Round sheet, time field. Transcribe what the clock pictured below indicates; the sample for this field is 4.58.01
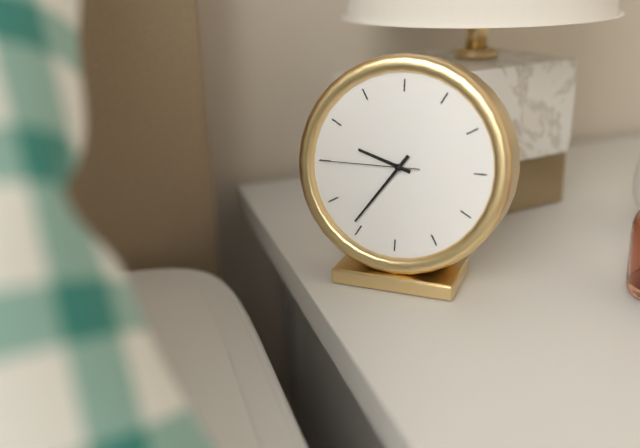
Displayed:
9.36.45
